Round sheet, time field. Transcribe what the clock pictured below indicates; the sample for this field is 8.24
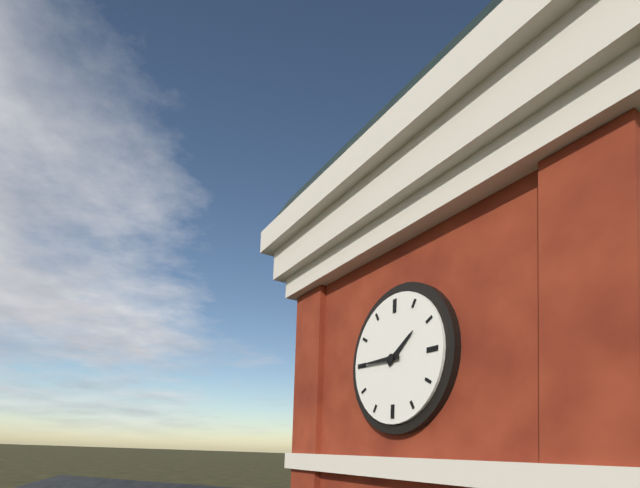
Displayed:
1.45
